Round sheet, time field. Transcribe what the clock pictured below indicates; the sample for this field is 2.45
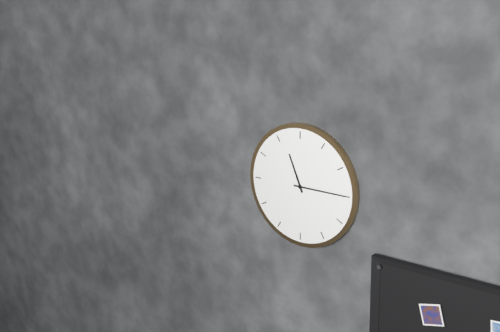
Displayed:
11.15
